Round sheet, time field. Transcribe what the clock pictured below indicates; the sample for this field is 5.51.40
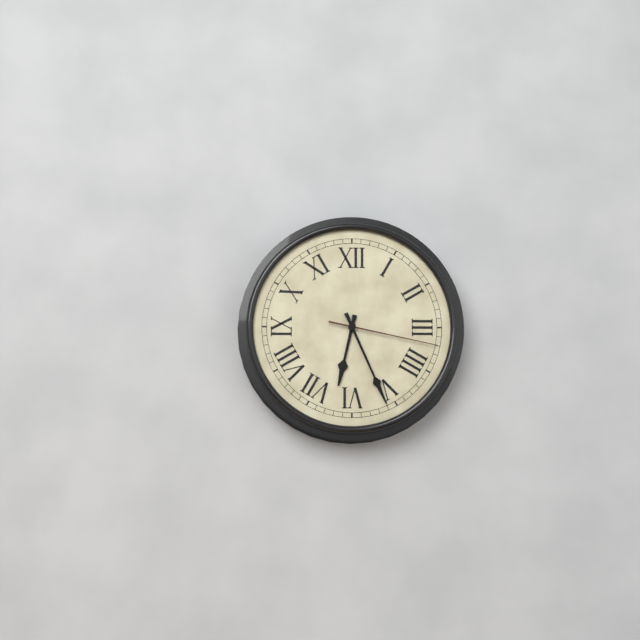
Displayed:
6.26.17
